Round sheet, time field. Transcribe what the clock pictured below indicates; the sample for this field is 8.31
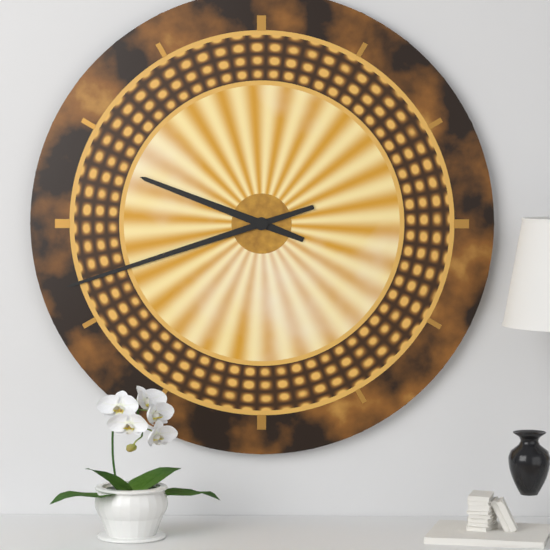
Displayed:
9.42
